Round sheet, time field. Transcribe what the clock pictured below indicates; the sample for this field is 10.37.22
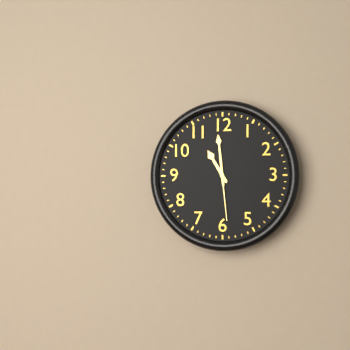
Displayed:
10.59.29
